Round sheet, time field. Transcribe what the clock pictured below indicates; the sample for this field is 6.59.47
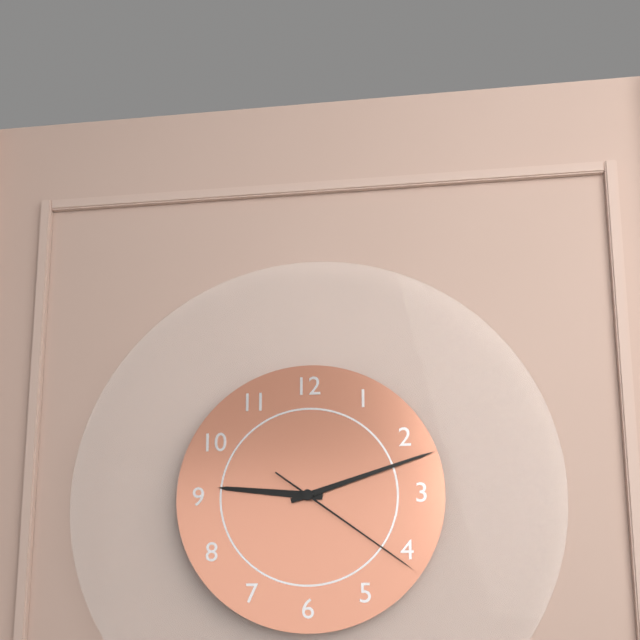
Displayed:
9.12.21
